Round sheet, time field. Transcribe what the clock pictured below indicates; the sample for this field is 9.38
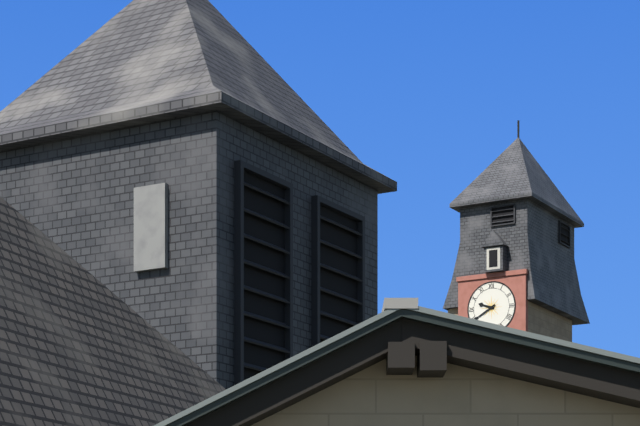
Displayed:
9.40
